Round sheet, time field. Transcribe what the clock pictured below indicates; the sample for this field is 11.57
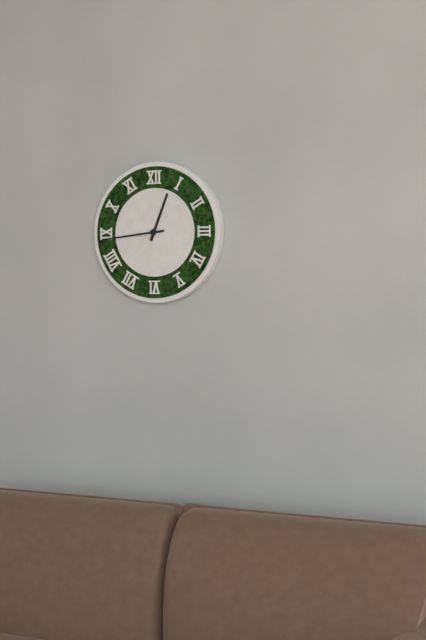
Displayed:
12.44
